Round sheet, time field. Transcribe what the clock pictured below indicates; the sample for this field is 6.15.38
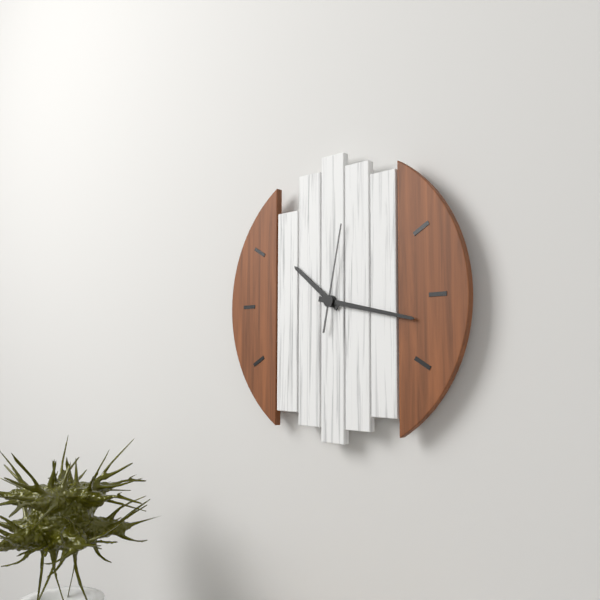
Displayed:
10.17.02
